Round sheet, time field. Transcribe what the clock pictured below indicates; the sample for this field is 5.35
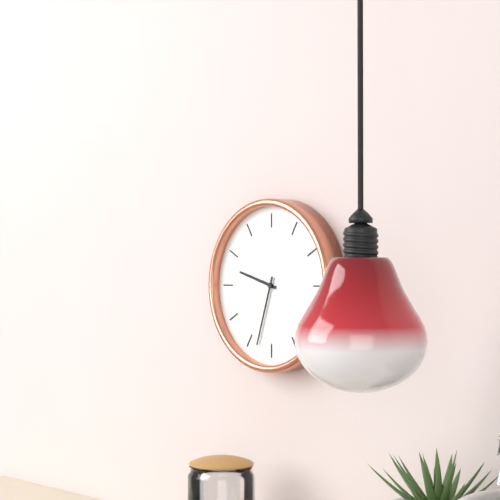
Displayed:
9.33
